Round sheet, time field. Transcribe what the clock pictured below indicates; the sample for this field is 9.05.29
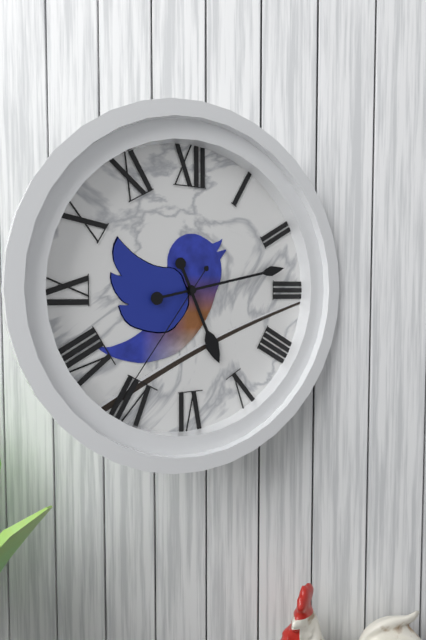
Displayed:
5.13.36
